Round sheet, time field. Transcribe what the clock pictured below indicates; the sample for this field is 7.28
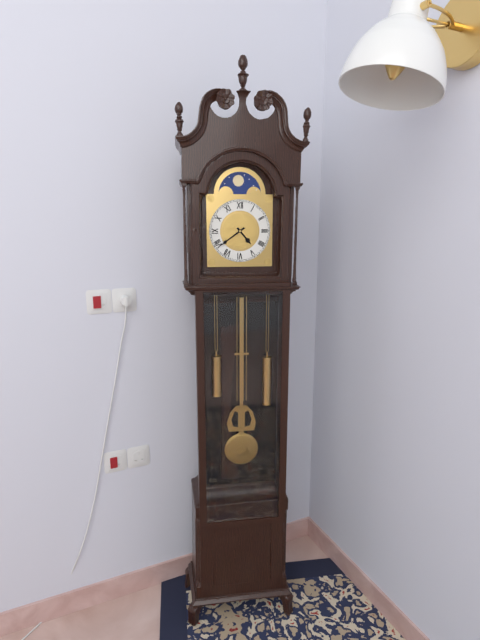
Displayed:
4.39
